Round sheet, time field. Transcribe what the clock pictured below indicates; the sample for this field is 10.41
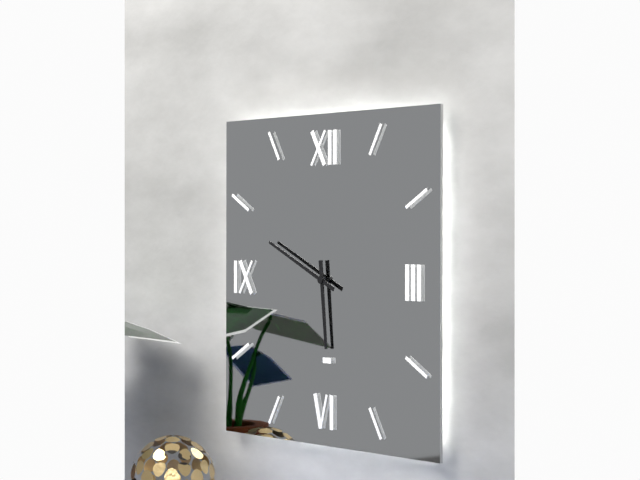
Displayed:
5.49
